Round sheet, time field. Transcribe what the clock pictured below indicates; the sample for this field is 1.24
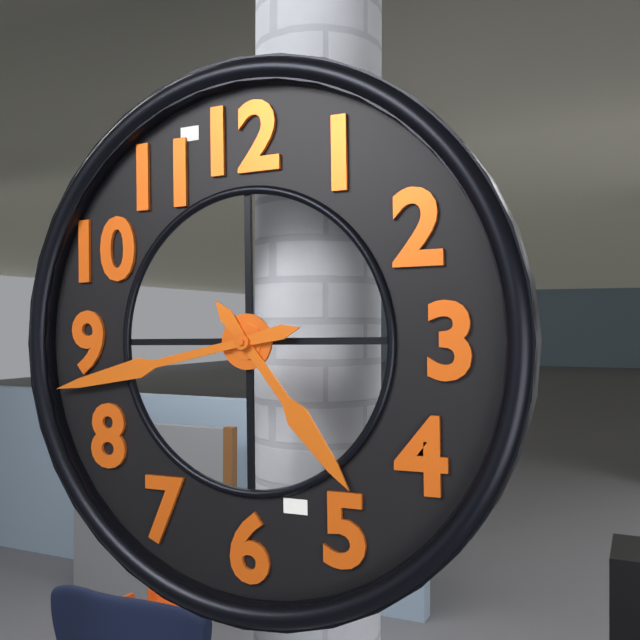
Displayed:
4.43
